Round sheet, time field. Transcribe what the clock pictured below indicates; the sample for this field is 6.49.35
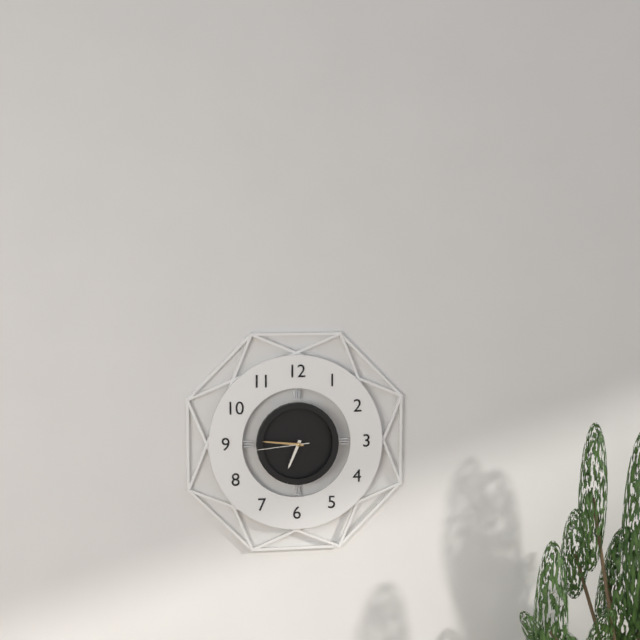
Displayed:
6.46.44
